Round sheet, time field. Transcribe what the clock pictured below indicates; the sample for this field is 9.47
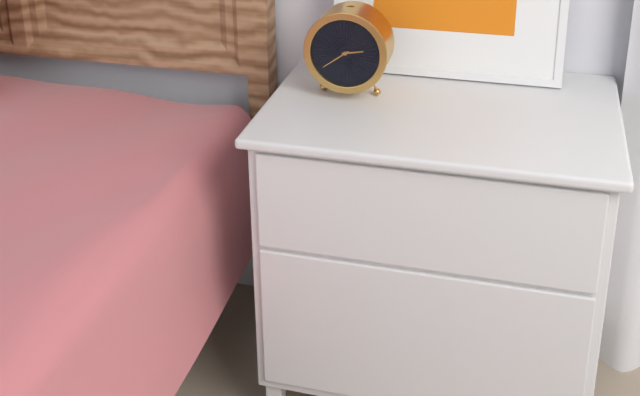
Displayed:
2.39
